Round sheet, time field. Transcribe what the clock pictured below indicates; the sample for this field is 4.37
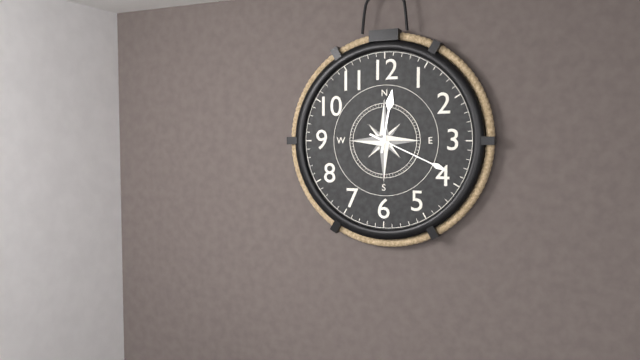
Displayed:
12.19
